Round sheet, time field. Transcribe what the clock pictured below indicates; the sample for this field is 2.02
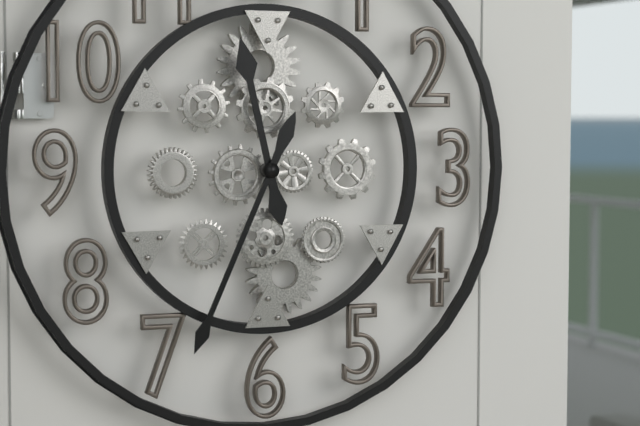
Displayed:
11.34
